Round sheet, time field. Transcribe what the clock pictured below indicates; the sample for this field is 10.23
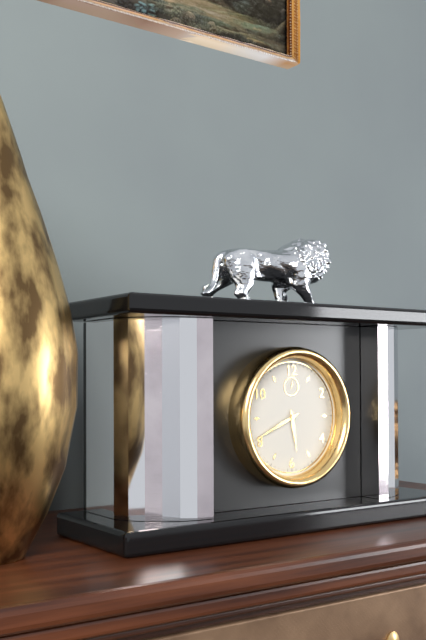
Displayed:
5.41
